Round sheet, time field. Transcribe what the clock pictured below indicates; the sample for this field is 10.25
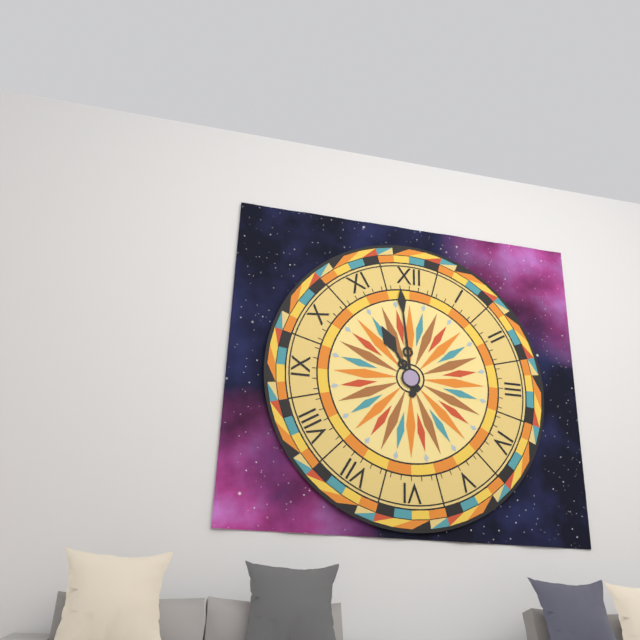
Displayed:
10.59
